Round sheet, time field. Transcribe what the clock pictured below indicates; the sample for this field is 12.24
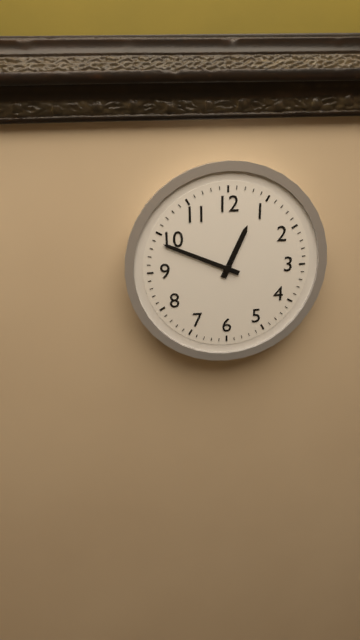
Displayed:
12.49
